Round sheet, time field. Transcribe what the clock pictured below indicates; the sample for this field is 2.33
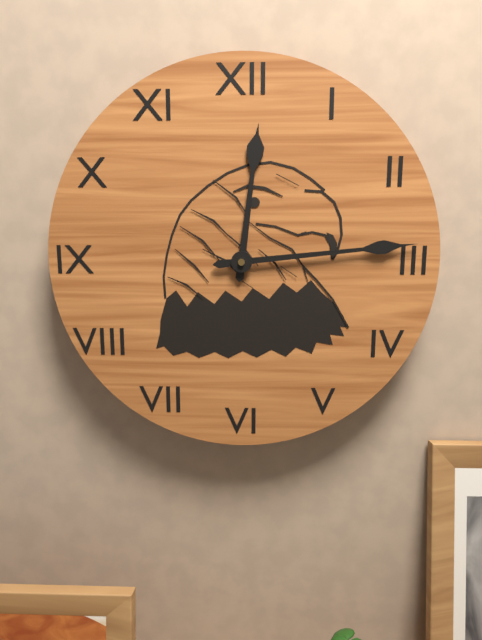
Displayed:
12.14
